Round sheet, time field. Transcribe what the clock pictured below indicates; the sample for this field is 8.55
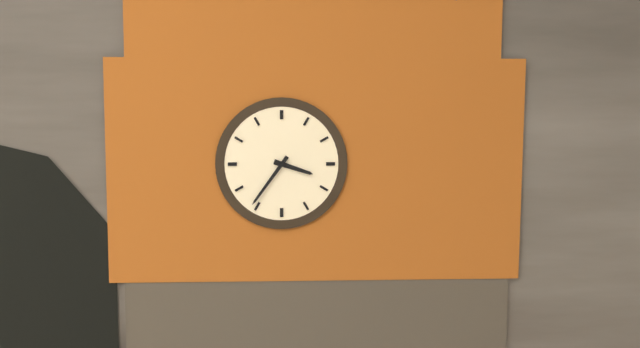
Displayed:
3.36
